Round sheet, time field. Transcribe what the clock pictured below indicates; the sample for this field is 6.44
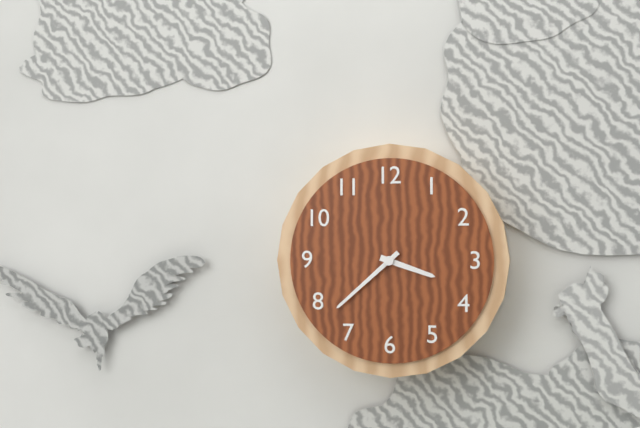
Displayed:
3.38
